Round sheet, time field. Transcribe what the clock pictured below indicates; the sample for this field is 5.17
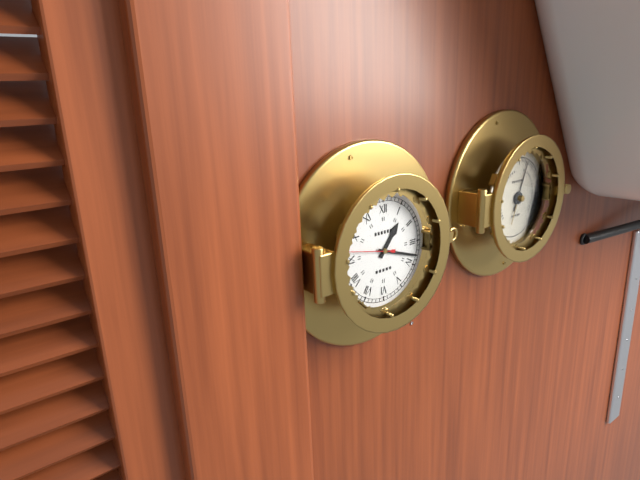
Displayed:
1.18
